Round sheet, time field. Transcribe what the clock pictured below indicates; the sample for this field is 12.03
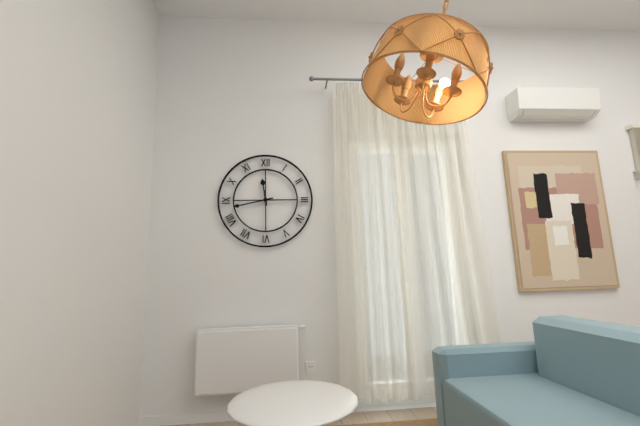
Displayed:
11.43
